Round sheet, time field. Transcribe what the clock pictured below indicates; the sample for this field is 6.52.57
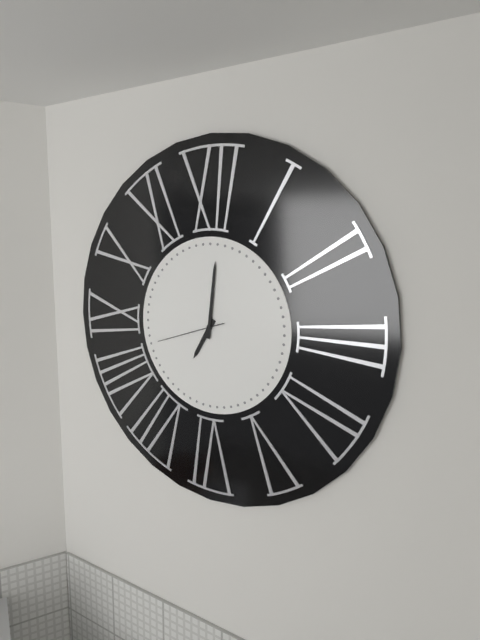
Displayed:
7.01.42
